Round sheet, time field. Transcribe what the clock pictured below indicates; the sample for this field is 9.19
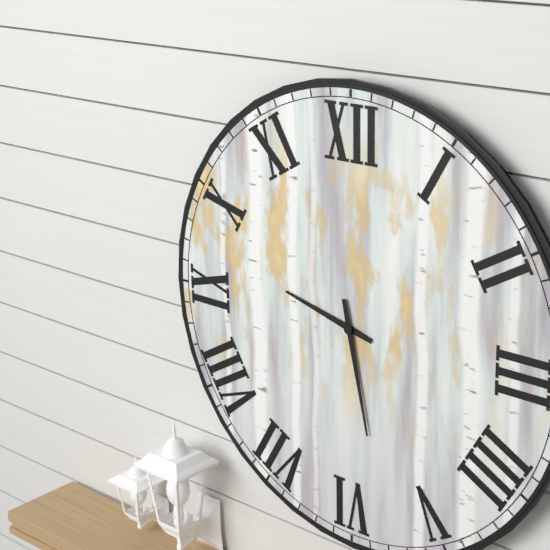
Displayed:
9.28
